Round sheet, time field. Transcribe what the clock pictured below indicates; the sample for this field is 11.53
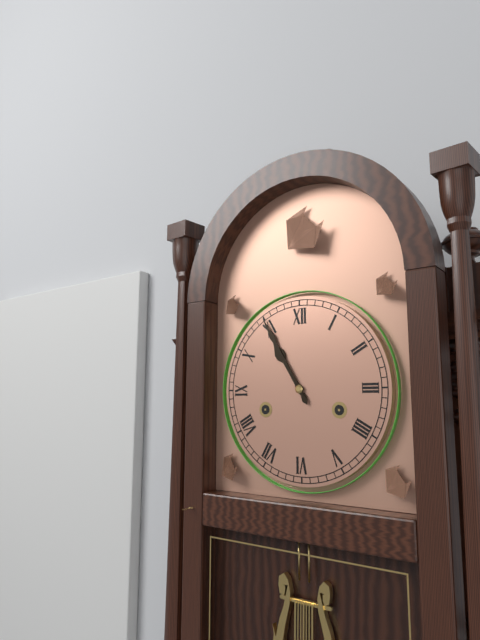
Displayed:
10.55
